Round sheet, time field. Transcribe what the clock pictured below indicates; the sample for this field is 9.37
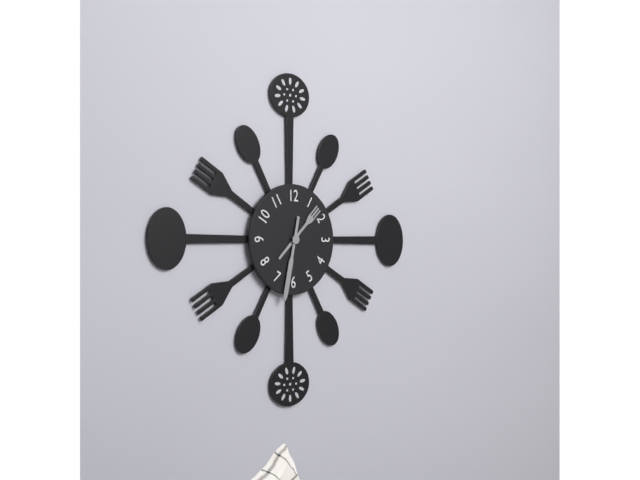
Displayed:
1.32
